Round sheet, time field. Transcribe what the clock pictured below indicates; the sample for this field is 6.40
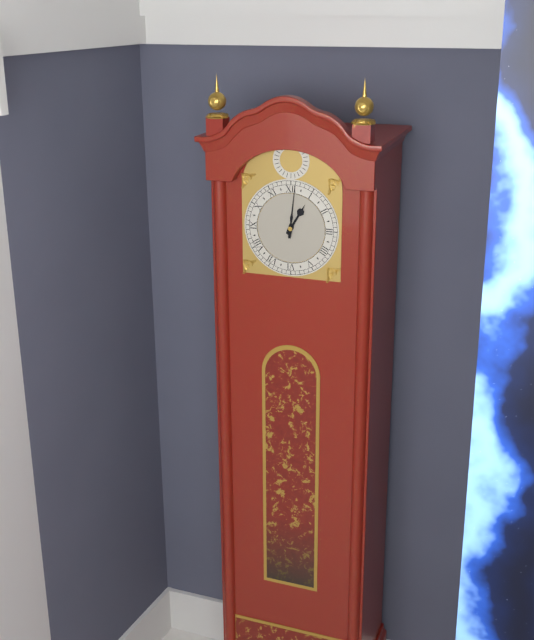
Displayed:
1.01
